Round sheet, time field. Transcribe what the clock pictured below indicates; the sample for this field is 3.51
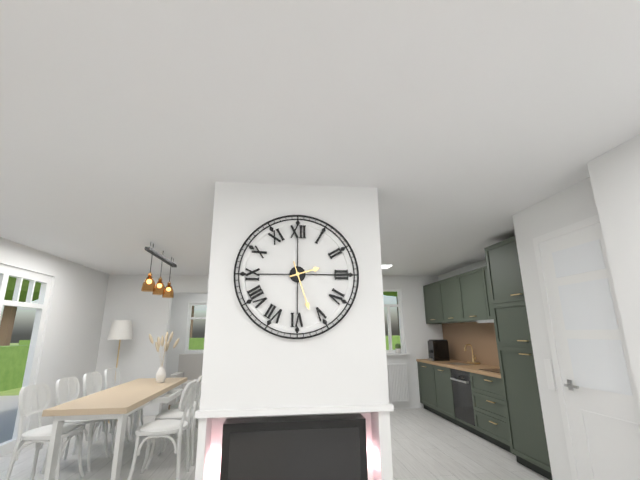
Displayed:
2.27
